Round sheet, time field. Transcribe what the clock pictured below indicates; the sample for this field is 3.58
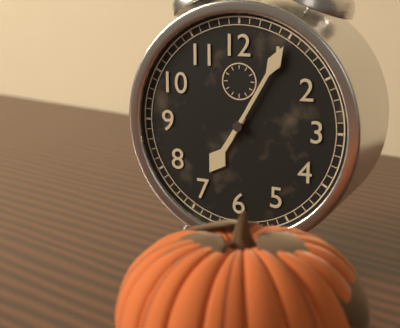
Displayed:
7.05
